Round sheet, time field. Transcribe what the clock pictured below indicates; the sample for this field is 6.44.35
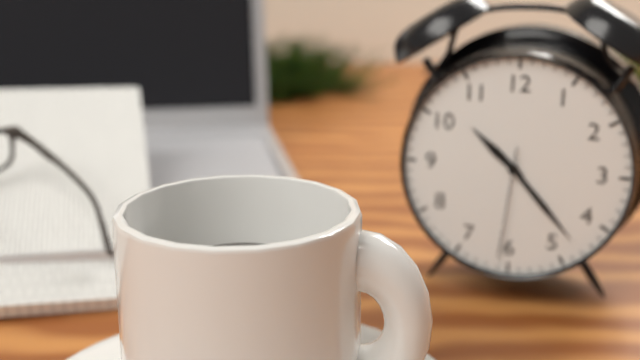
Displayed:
10.23.31
